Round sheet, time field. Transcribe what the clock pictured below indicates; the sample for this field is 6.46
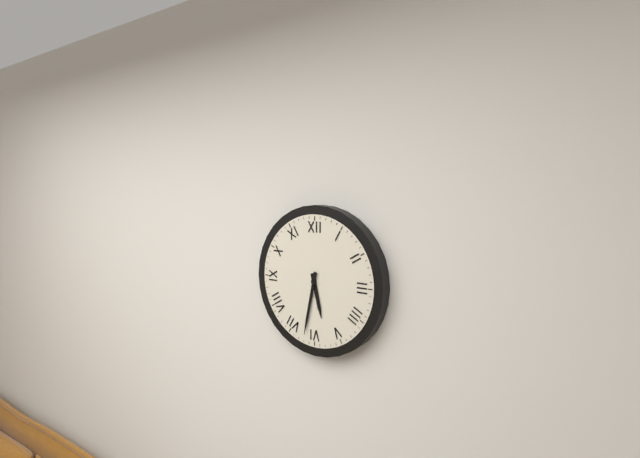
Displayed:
5.32
